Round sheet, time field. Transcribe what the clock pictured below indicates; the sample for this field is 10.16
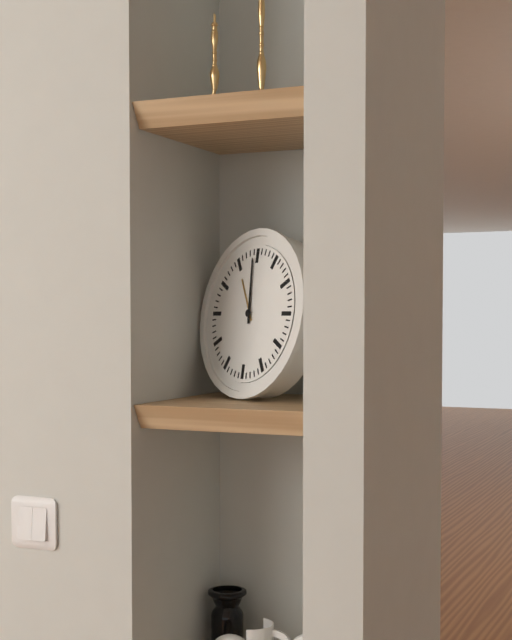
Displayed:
10.59
